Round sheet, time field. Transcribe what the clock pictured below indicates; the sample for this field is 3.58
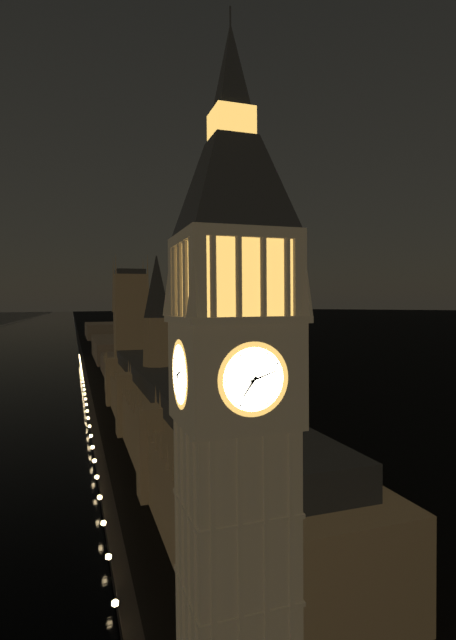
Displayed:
7.12
